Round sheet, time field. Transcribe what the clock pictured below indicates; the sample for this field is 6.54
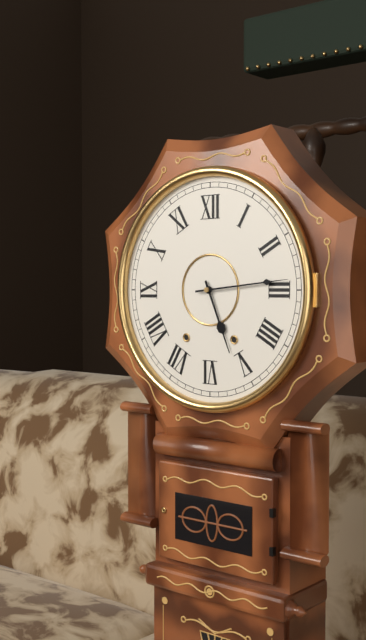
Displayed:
5.14
